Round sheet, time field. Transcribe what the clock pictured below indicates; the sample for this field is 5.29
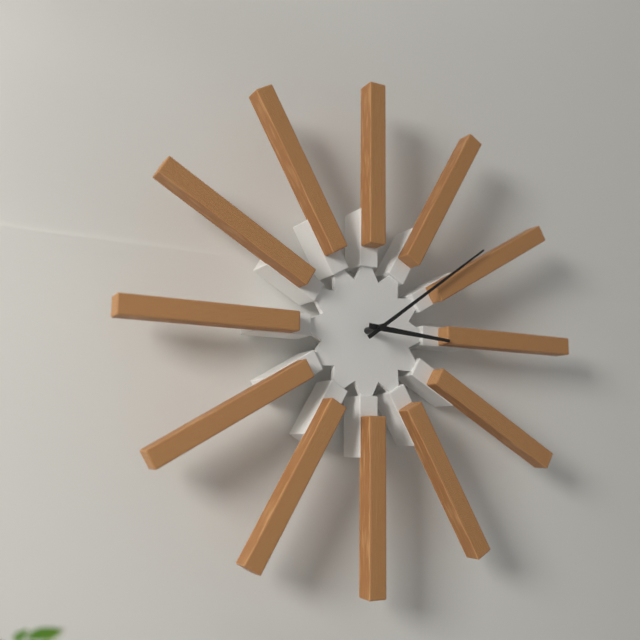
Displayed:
3.09
